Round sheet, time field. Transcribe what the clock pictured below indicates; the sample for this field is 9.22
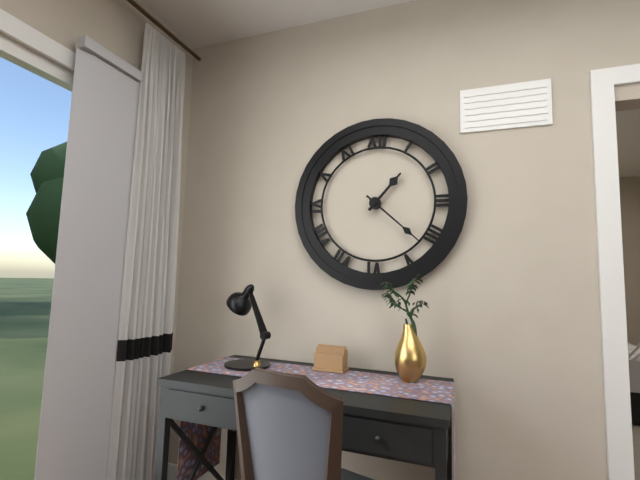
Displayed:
1.22
